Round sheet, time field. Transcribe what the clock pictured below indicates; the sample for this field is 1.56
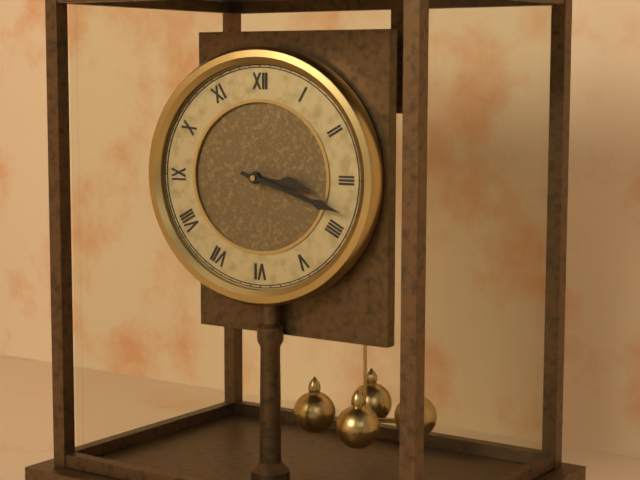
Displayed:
3.18
